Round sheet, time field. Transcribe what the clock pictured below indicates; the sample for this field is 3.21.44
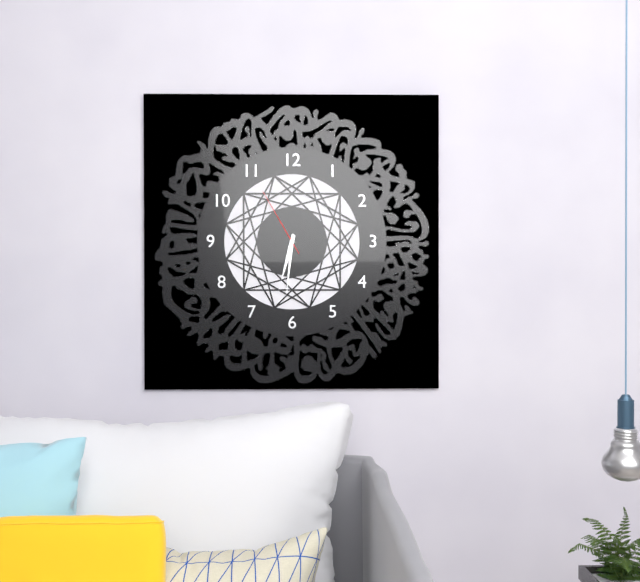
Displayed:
6.31.55
